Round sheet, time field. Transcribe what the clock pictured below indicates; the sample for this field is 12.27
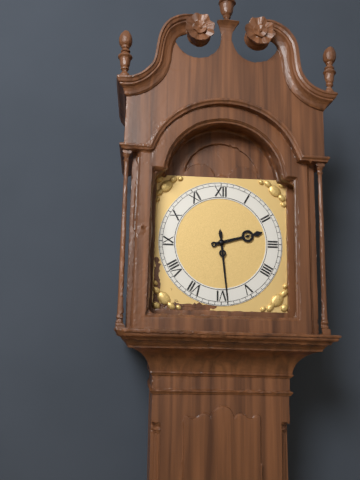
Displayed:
2.29
